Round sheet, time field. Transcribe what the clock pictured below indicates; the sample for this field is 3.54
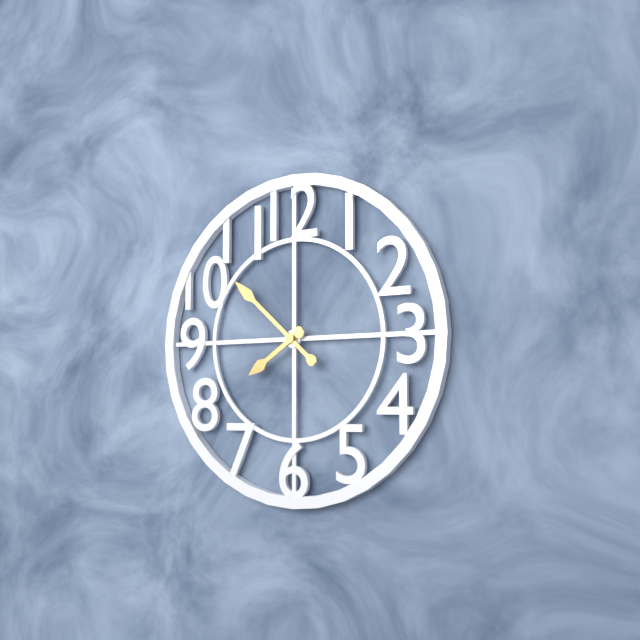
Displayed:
7.52
